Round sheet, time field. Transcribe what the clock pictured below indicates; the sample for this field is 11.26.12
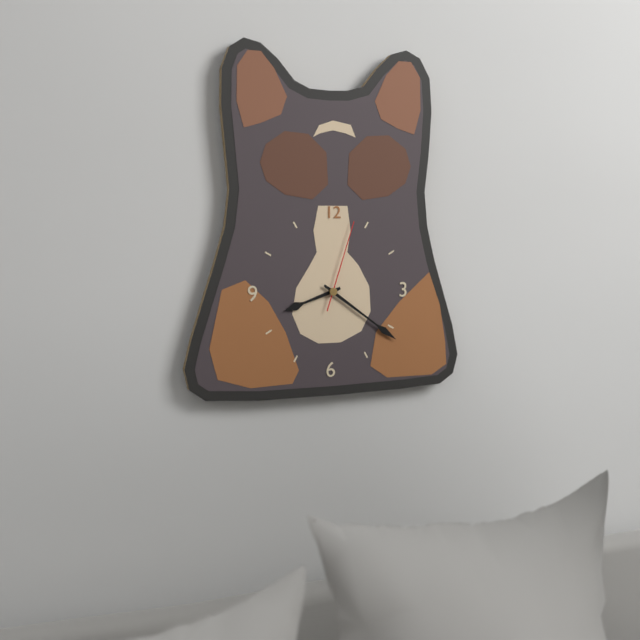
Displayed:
8.21.03
